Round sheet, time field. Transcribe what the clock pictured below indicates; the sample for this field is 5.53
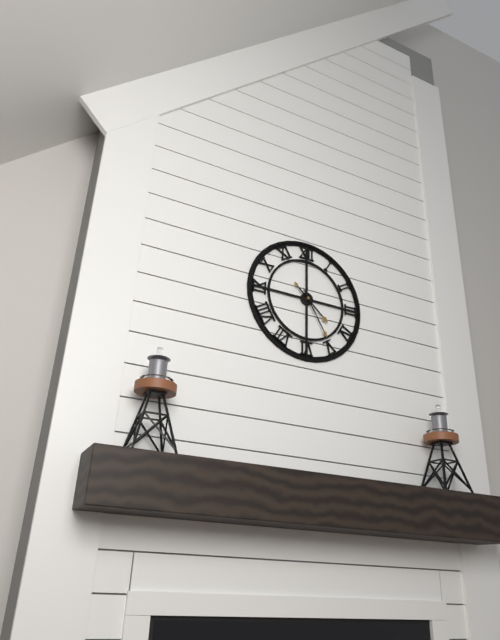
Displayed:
4.25
